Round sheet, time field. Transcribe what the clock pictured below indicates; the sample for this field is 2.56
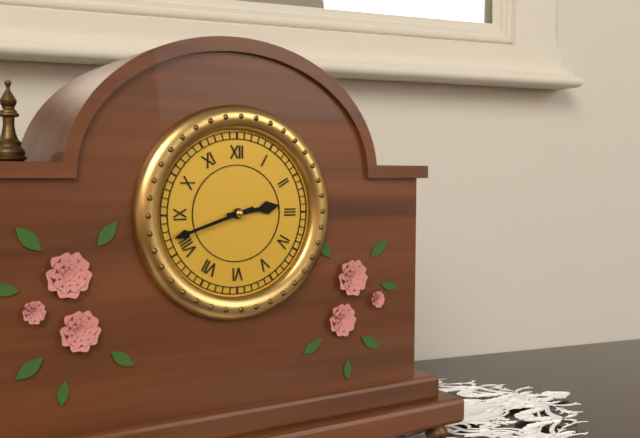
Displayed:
2.42
